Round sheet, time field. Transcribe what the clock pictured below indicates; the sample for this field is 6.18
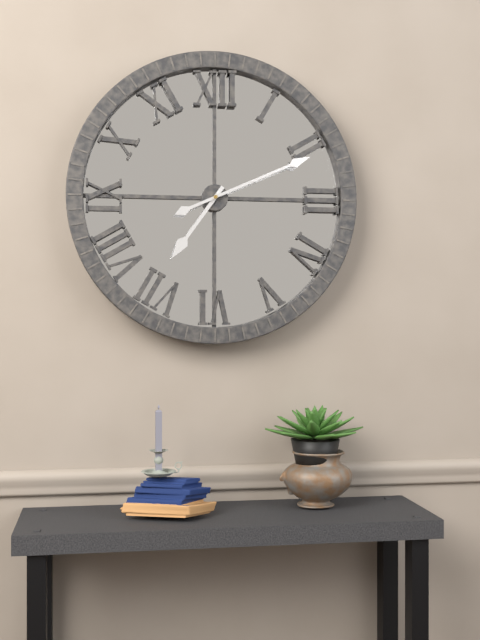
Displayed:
7.11
